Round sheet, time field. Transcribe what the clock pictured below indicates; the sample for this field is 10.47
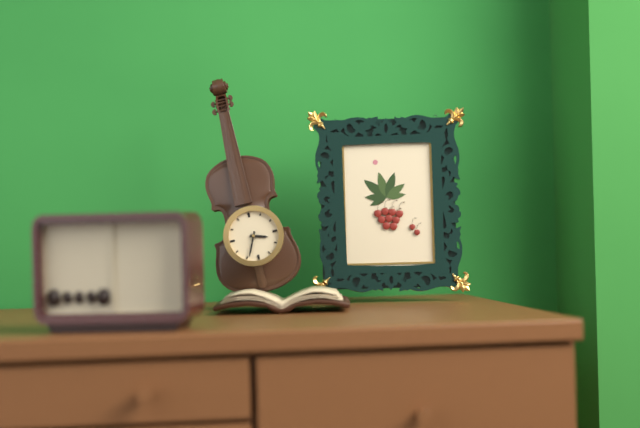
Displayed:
3.34
